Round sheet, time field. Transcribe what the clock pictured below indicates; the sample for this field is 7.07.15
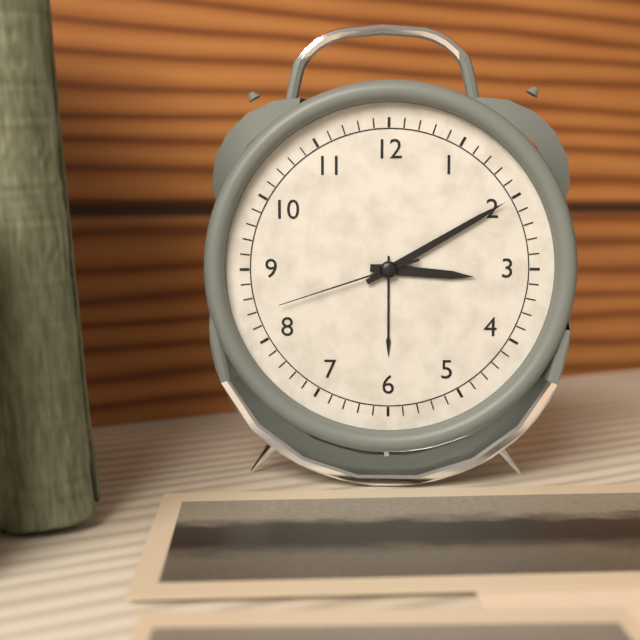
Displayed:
3.10.42
